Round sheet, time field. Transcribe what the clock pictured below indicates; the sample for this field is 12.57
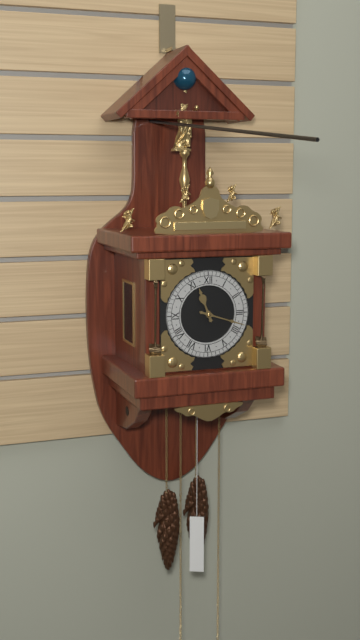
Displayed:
11.18
